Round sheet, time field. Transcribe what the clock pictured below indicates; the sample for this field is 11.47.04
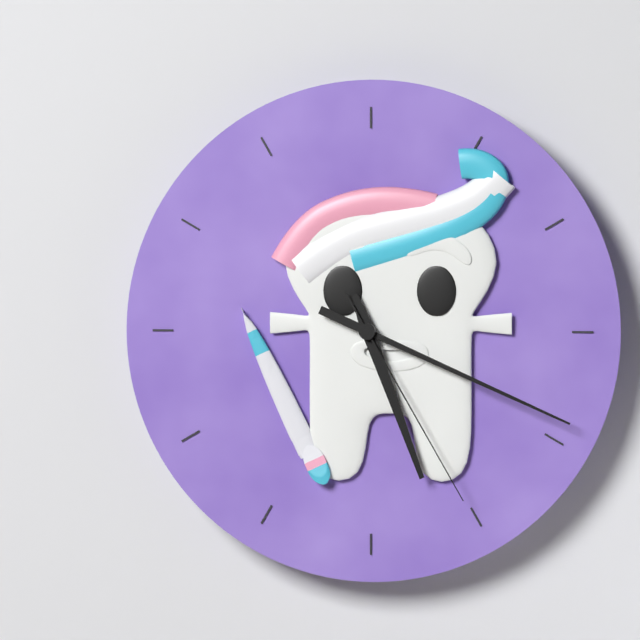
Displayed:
5.19.25
